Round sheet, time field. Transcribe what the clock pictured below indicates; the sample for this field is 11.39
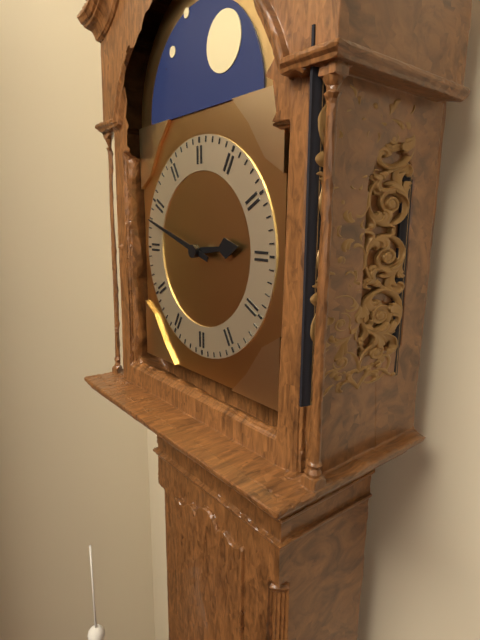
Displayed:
2.48
